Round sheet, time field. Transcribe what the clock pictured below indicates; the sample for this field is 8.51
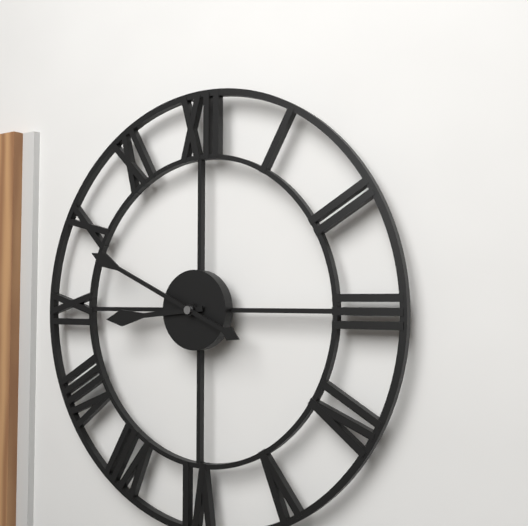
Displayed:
8.49
